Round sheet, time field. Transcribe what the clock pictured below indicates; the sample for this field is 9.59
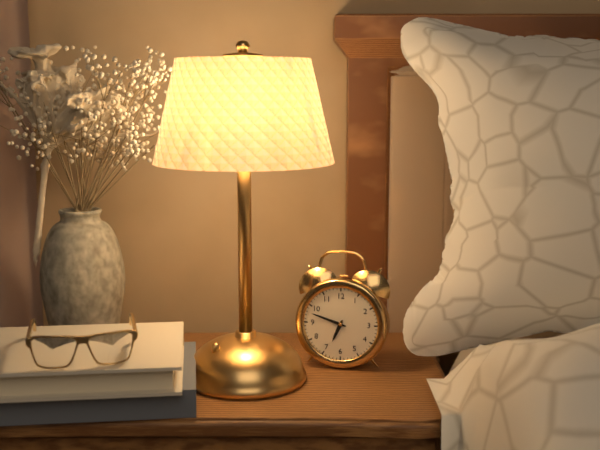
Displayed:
6.48
